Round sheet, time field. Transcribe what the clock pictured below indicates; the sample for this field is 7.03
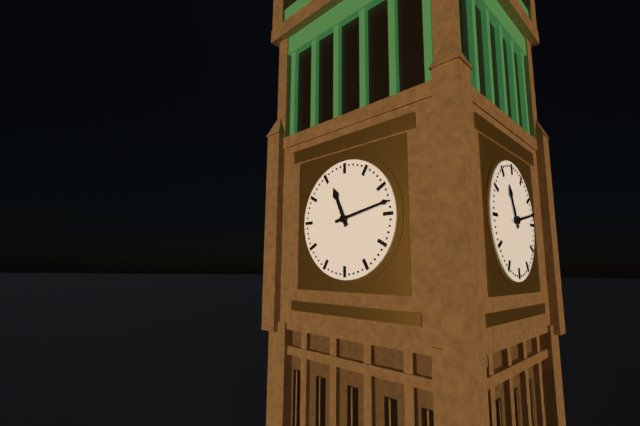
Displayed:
11.13
